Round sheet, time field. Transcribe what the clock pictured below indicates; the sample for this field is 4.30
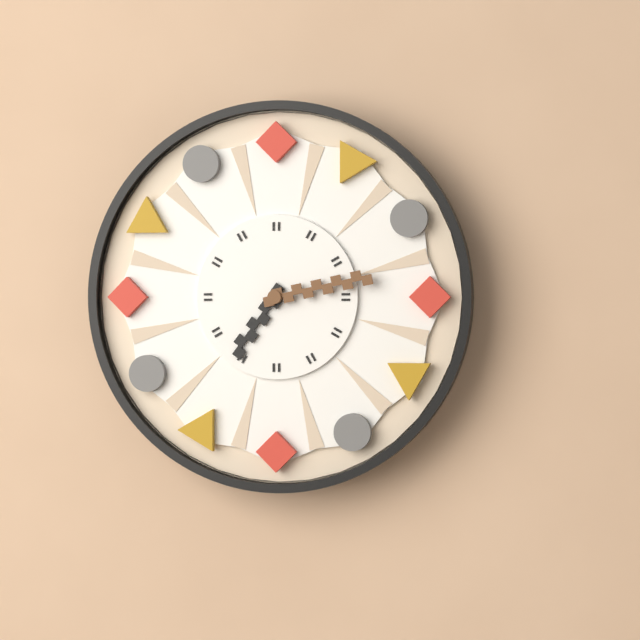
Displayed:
7.13
